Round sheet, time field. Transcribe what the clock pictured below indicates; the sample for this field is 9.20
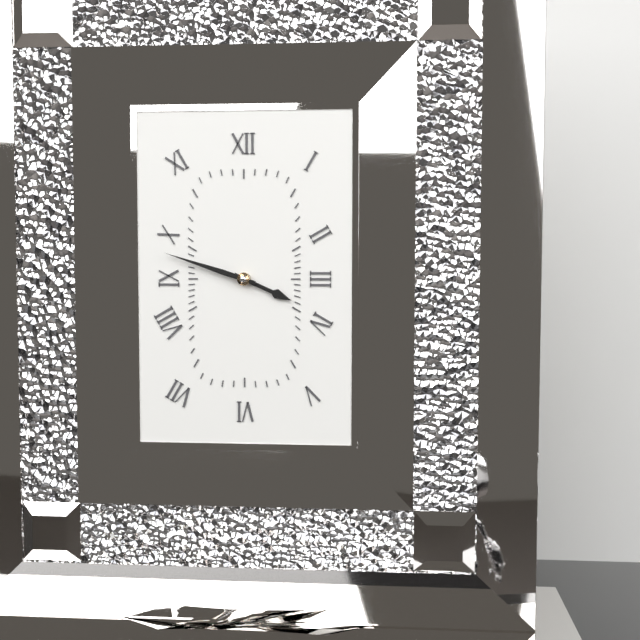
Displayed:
3.48
